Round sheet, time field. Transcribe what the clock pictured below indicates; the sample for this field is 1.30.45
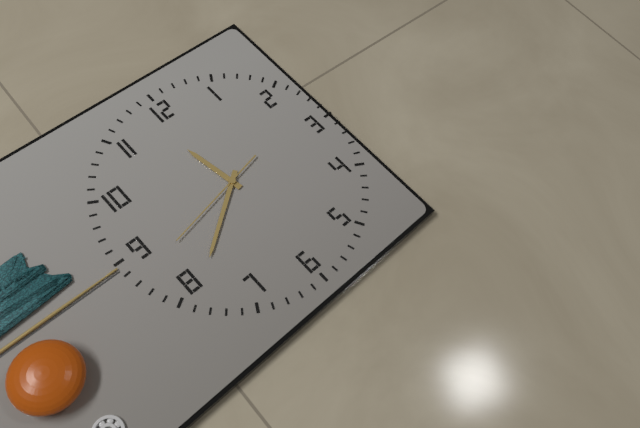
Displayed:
11.39.43
